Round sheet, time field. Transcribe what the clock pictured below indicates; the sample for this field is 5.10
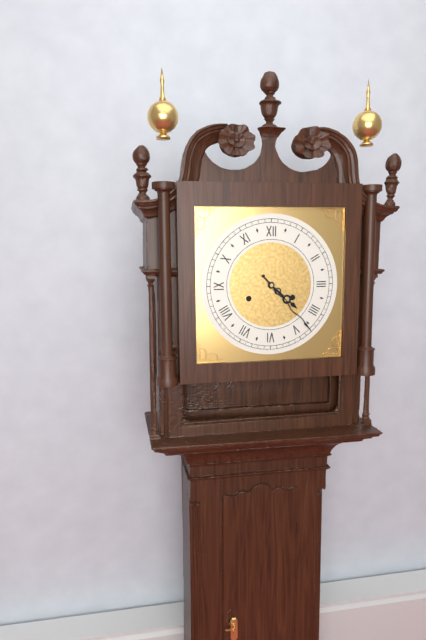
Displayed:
4.23
